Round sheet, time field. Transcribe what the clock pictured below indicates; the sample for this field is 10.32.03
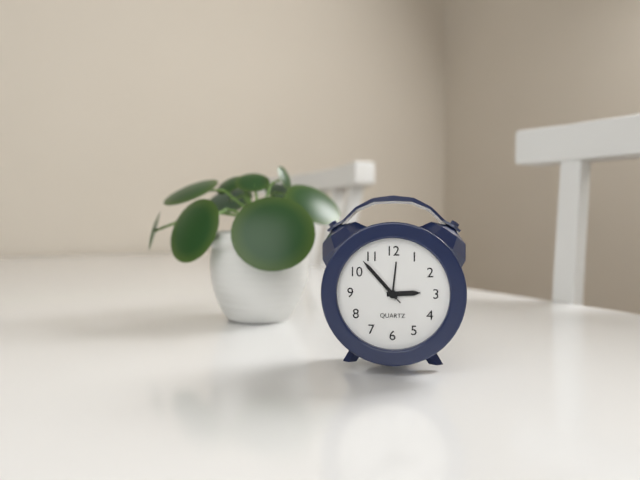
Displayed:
2.53.53
